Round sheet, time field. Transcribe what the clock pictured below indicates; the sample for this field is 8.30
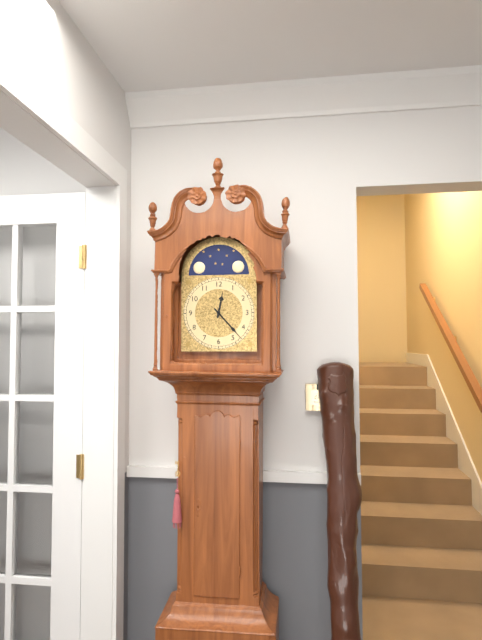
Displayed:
12.23
